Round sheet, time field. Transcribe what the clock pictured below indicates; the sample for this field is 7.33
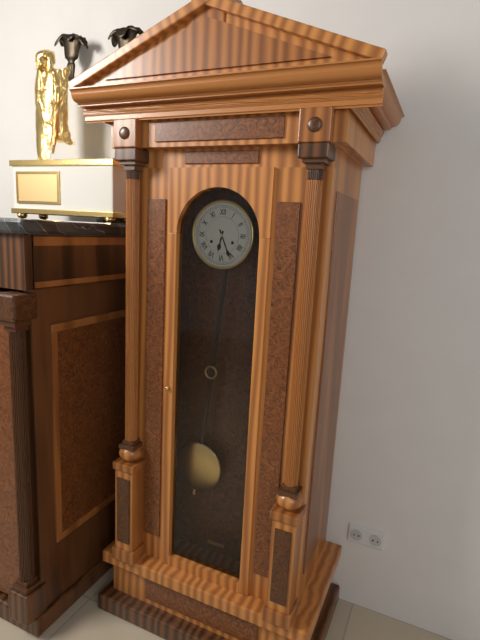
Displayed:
6.26
